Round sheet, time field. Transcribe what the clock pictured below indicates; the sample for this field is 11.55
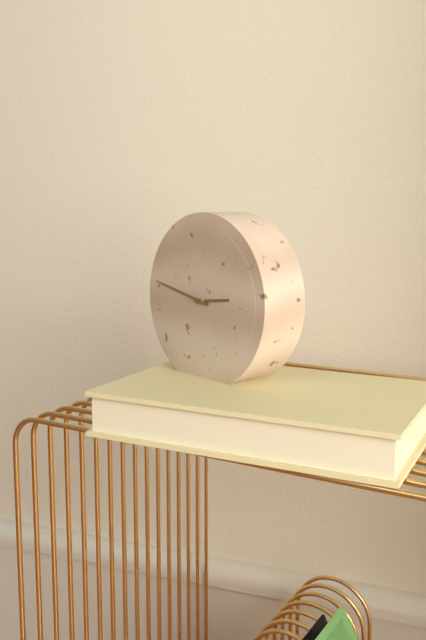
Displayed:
2.47
